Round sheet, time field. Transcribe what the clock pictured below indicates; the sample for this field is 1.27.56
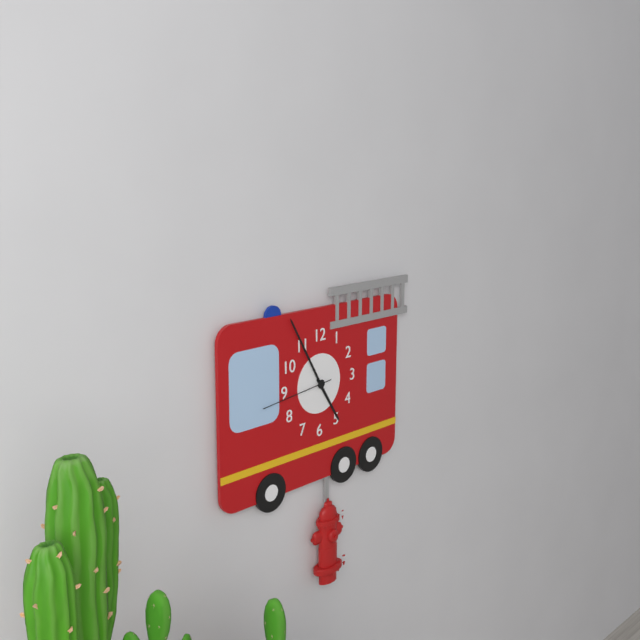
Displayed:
4.55.44
